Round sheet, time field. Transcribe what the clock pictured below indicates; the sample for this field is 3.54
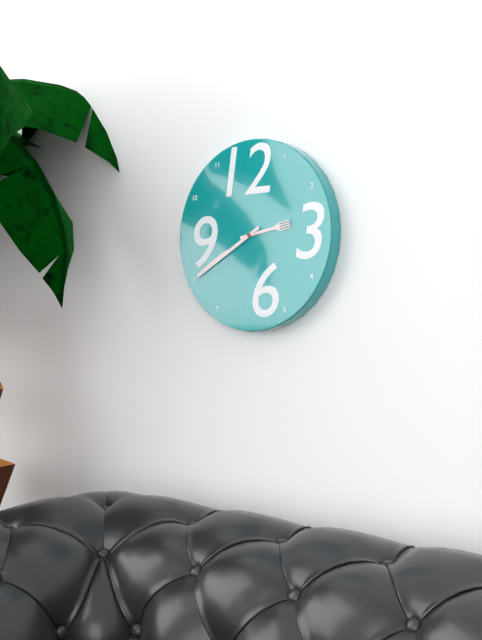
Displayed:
2.40
